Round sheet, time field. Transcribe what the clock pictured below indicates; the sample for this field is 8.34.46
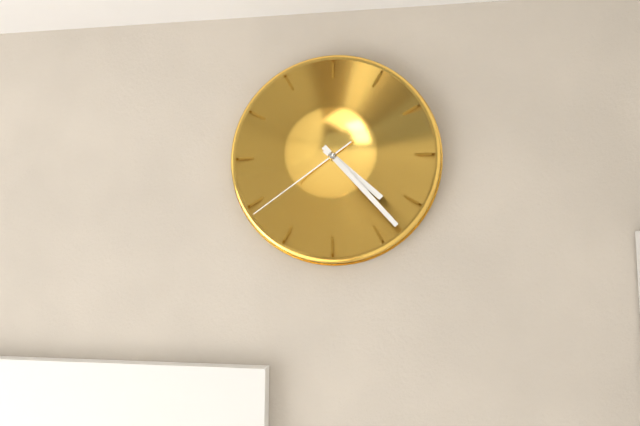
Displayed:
4.23.39
